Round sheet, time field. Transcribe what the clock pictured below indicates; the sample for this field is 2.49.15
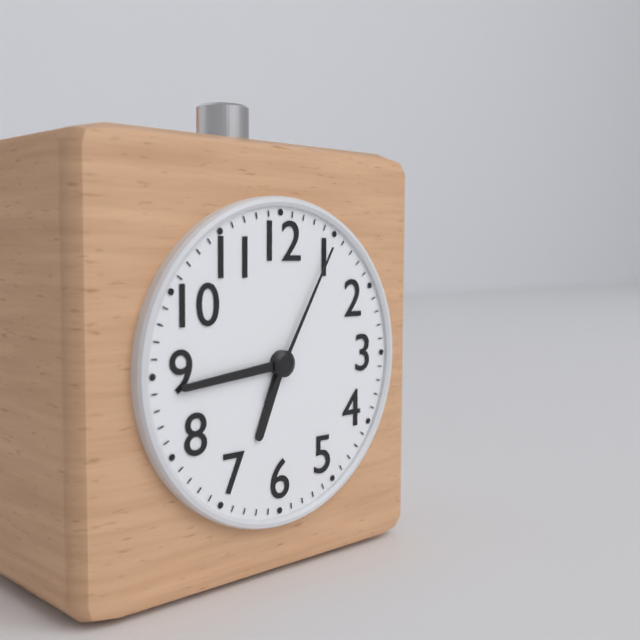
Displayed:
6.44.05
